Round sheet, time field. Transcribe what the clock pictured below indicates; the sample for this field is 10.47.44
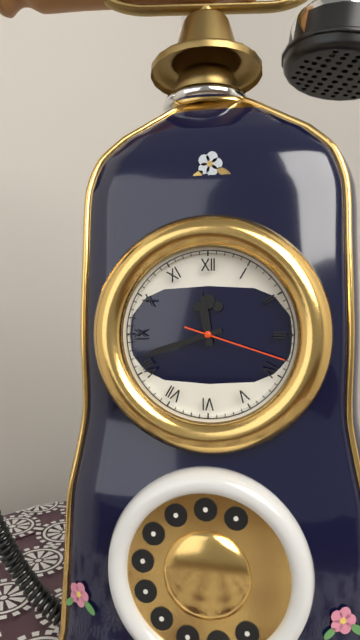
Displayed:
11.42.18
